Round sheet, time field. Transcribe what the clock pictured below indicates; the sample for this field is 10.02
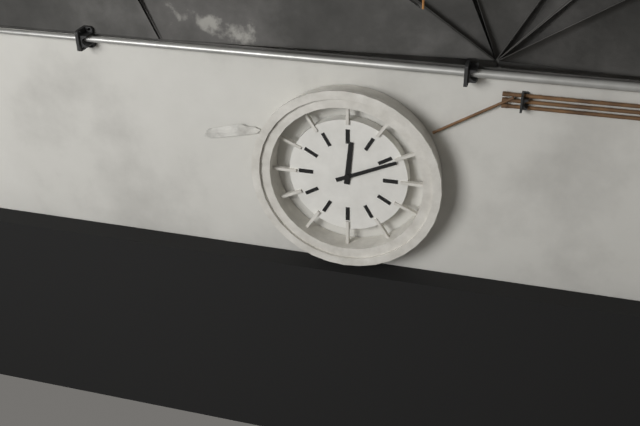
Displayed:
12.11
